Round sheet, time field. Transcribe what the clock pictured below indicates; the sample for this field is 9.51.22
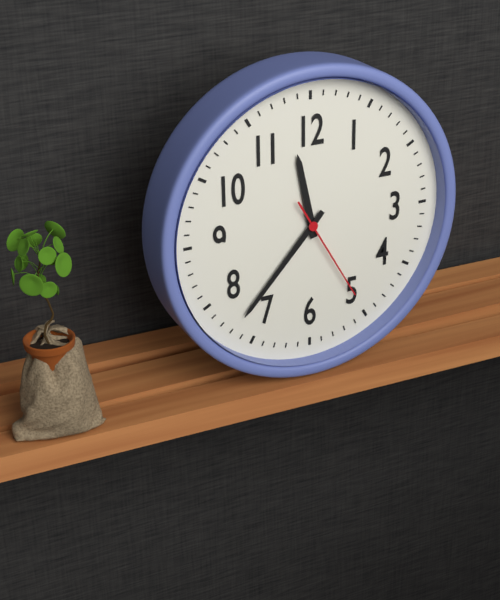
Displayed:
11.37.25
